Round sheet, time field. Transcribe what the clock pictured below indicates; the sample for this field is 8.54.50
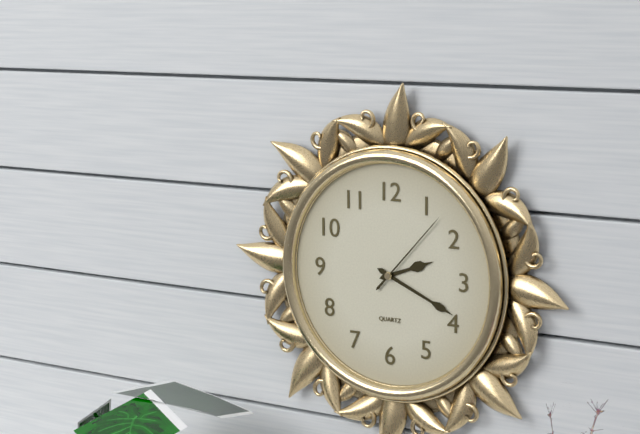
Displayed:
2.19.07
